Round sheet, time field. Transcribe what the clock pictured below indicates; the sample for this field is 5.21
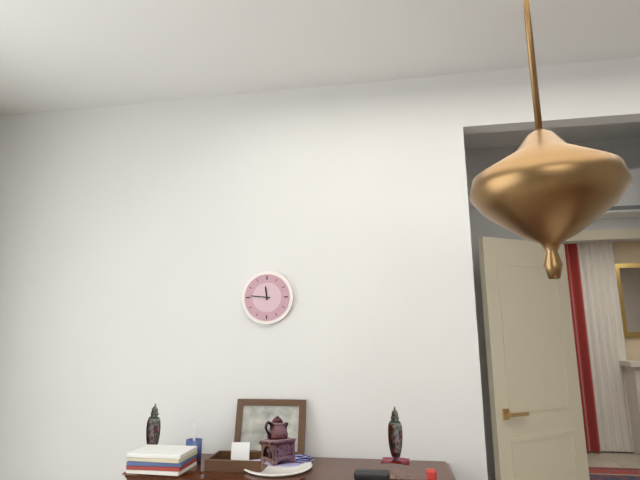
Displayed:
11.46
